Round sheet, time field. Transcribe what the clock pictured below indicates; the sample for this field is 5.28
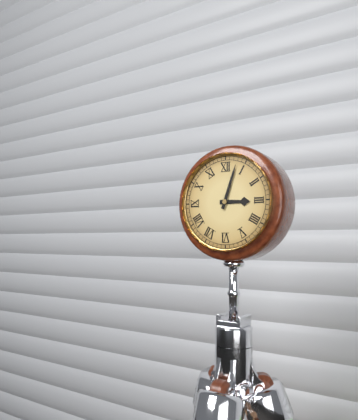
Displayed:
3.03
